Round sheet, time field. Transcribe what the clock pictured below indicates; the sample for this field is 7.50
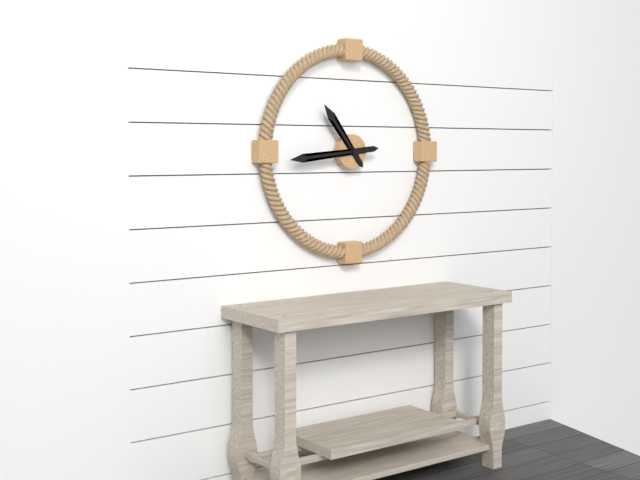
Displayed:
10.44
